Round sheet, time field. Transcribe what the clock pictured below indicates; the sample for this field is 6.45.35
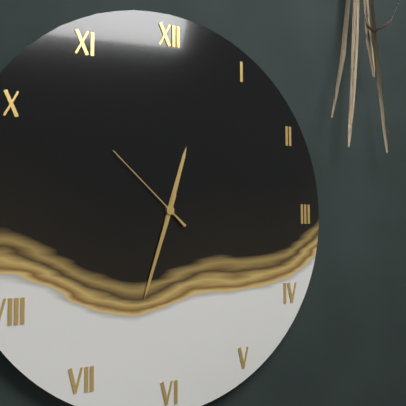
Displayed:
12.33.52
